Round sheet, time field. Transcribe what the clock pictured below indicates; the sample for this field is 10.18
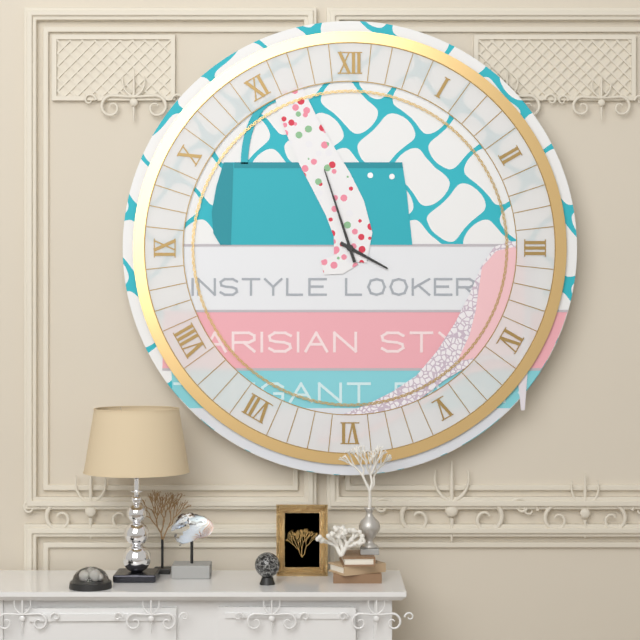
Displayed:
3.57
